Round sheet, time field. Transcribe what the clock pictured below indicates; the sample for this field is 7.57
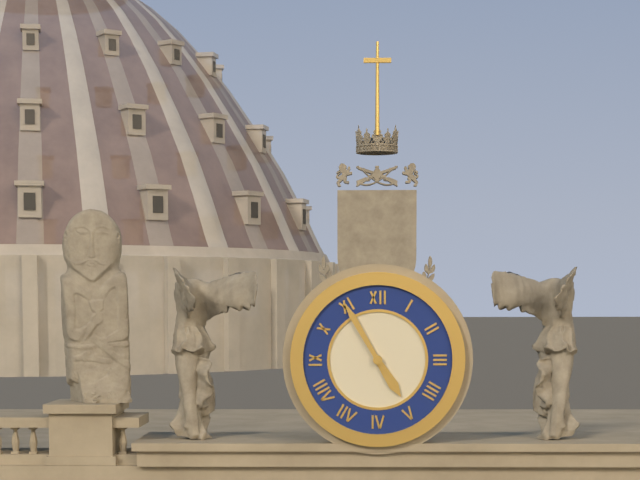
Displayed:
4.55
